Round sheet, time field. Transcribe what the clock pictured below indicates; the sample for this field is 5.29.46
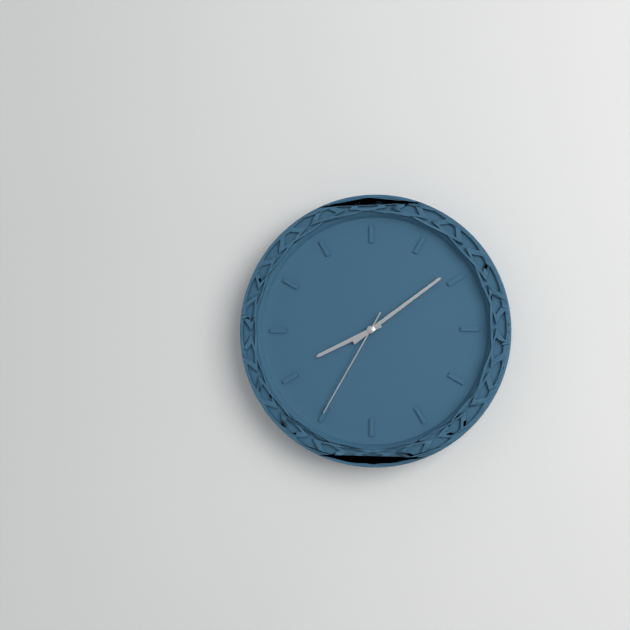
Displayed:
8.09.35
